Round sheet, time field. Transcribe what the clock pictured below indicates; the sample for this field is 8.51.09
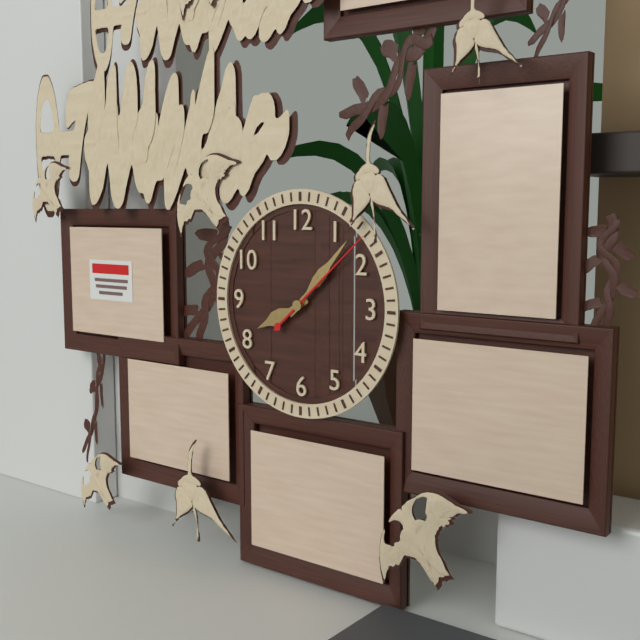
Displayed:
8.07.08
